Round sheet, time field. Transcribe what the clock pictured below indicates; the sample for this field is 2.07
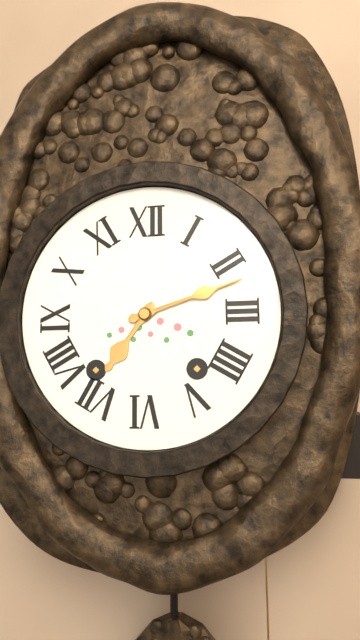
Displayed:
7.12
